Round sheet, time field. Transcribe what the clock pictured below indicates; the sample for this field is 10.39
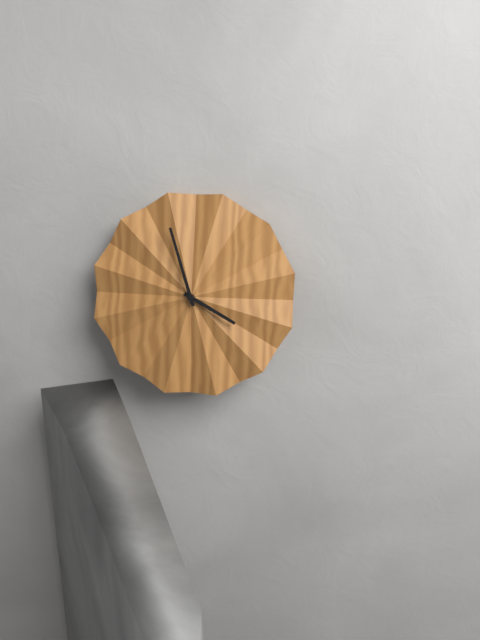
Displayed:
3.57
